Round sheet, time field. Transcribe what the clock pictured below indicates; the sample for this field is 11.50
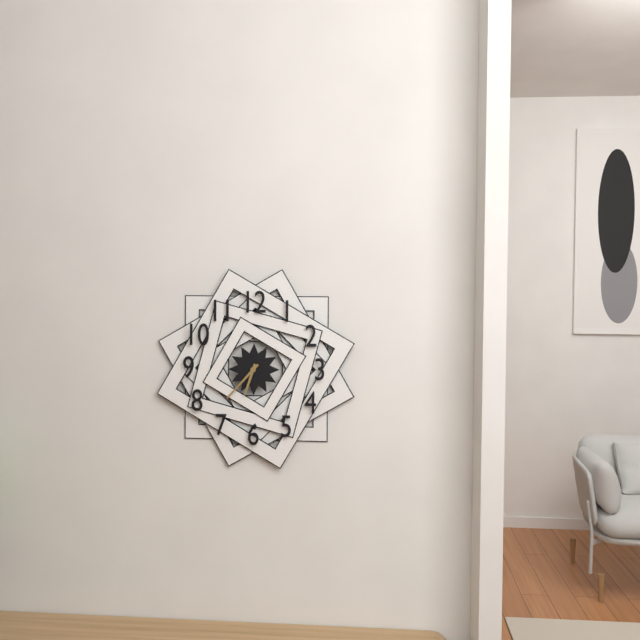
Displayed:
6.37
